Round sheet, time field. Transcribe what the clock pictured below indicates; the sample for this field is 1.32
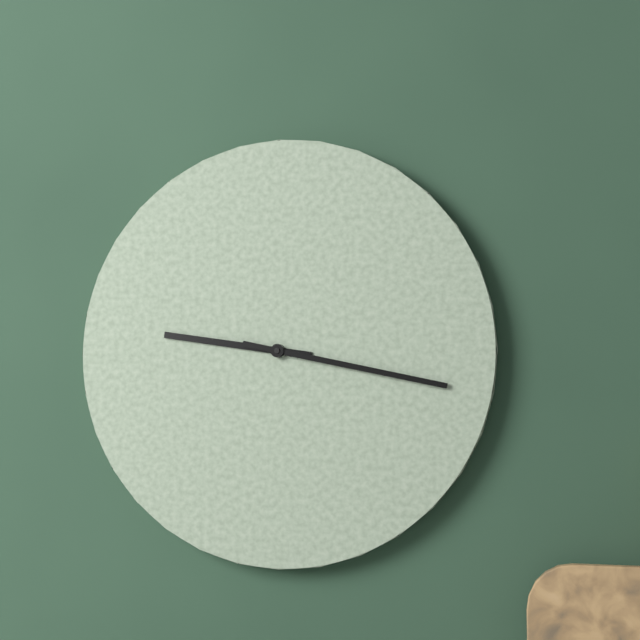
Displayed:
9.17
